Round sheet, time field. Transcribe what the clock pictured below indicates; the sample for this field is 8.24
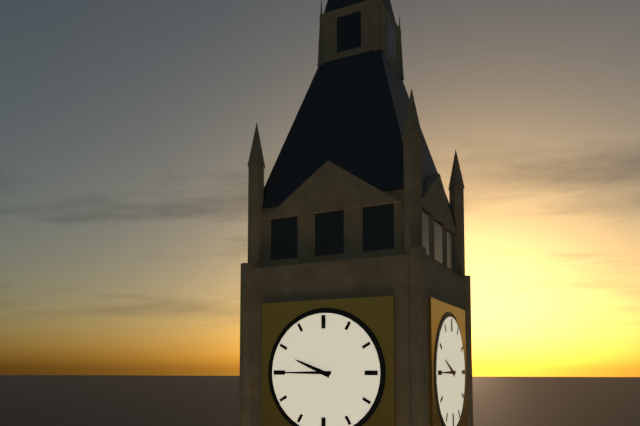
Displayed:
9.45
